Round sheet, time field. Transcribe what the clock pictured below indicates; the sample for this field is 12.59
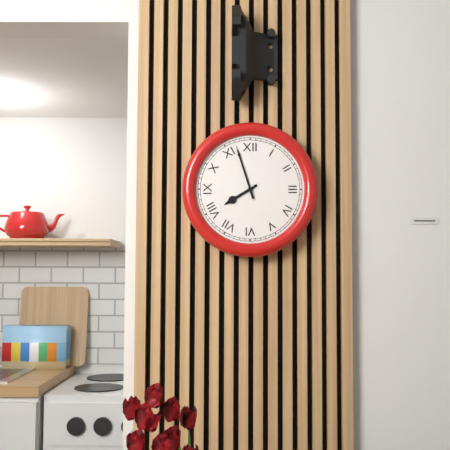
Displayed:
7.57
